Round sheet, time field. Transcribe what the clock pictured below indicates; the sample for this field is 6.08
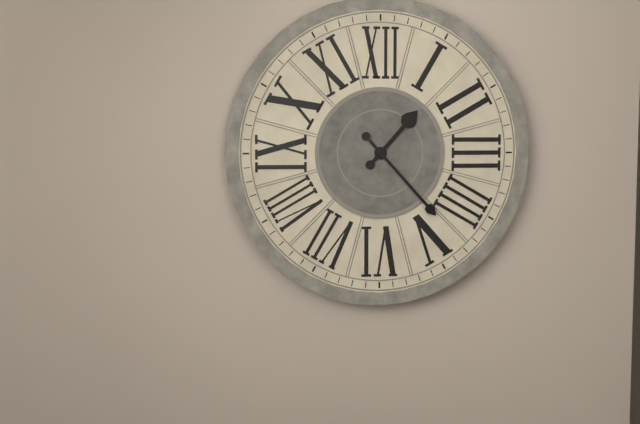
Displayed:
1.23
